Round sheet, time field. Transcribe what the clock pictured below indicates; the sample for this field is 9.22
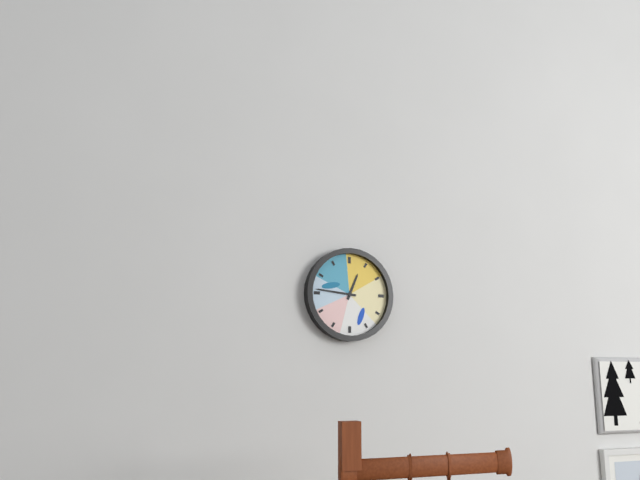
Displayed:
12.46
